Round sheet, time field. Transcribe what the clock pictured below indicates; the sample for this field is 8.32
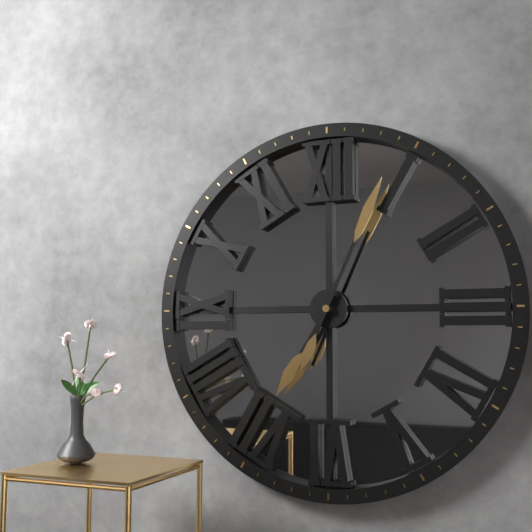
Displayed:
7.04
